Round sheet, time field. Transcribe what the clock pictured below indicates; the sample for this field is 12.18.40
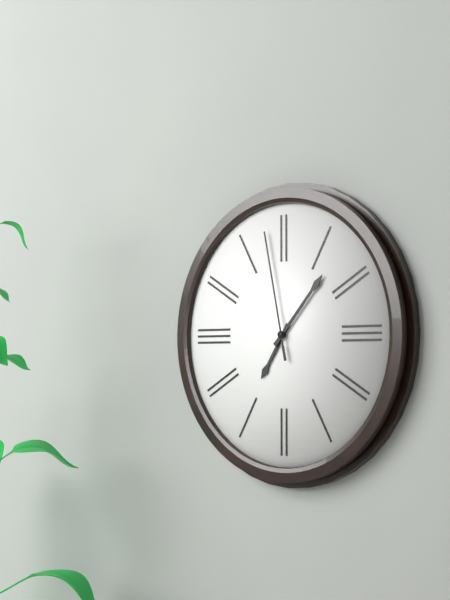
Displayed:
7.07.58
